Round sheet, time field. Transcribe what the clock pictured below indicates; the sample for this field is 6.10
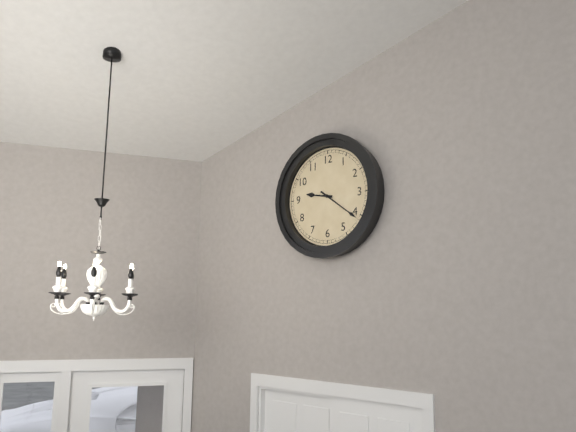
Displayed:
9.21
